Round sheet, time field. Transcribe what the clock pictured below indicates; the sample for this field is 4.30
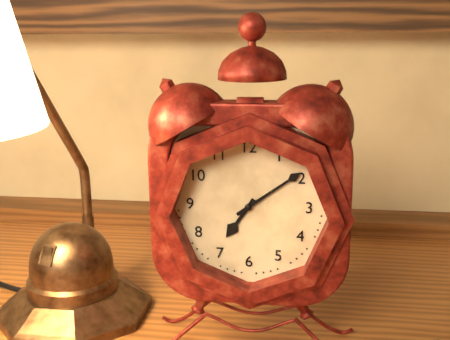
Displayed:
7.09
